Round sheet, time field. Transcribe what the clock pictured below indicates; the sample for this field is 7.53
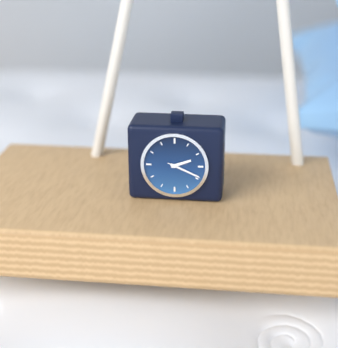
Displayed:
2.19
